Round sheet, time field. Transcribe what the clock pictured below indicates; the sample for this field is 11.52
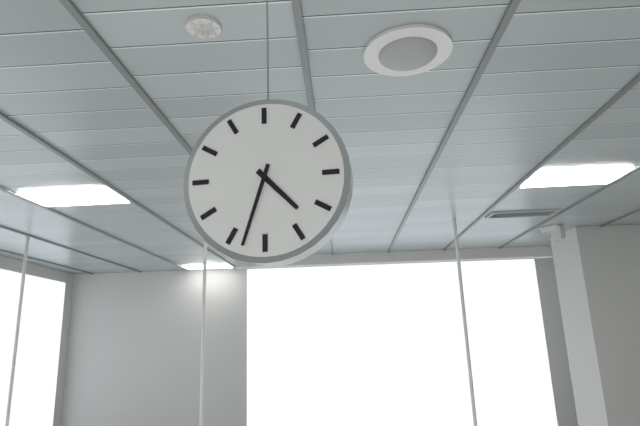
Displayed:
4.33
